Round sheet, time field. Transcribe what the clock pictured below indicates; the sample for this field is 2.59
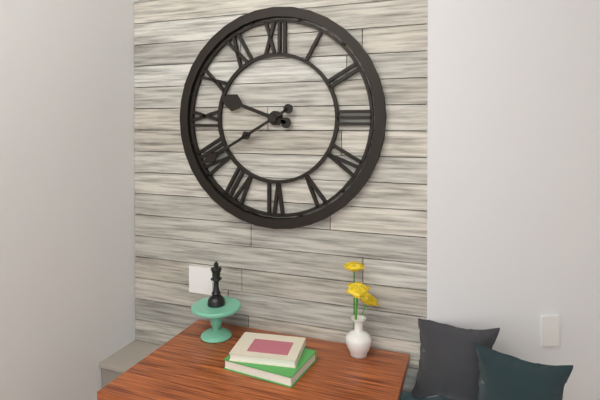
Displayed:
9.40
